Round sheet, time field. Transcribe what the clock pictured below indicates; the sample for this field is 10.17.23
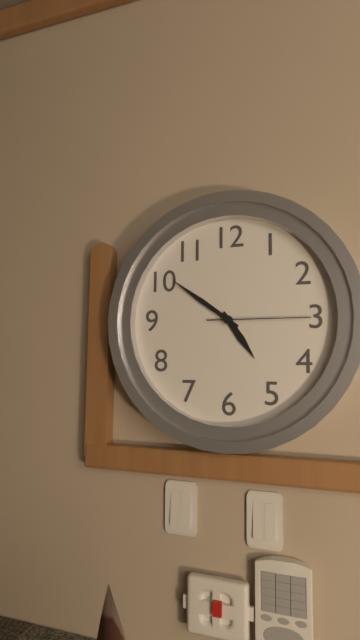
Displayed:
4.51.15
